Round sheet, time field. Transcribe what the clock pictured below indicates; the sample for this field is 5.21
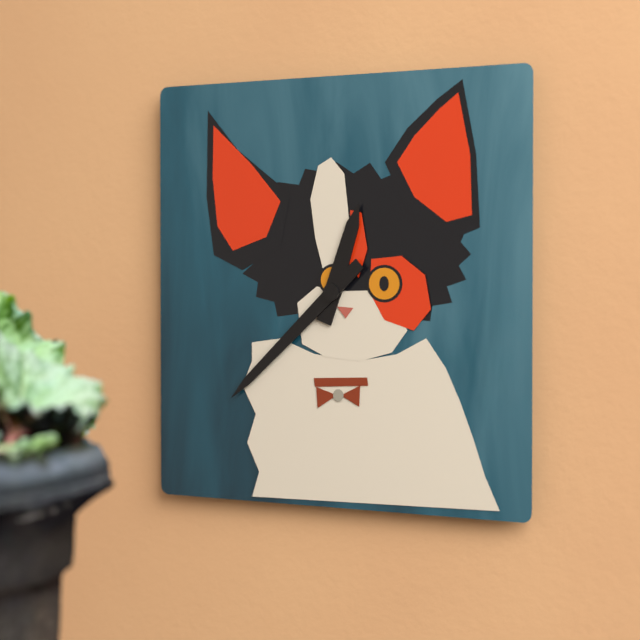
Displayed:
12.38
